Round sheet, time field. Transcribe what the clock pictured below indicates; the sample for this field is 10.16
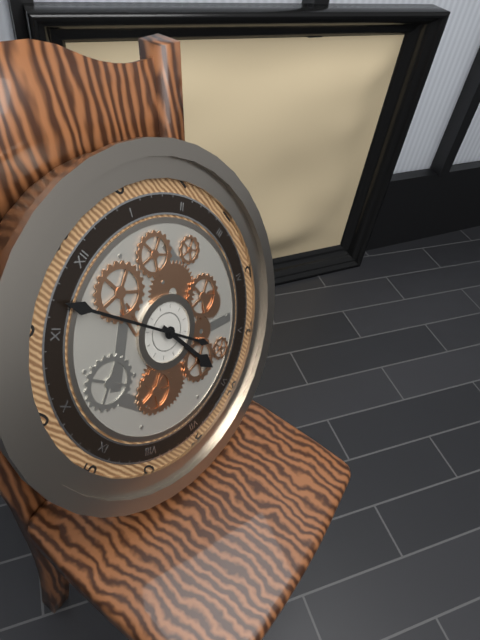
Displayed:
5.57
